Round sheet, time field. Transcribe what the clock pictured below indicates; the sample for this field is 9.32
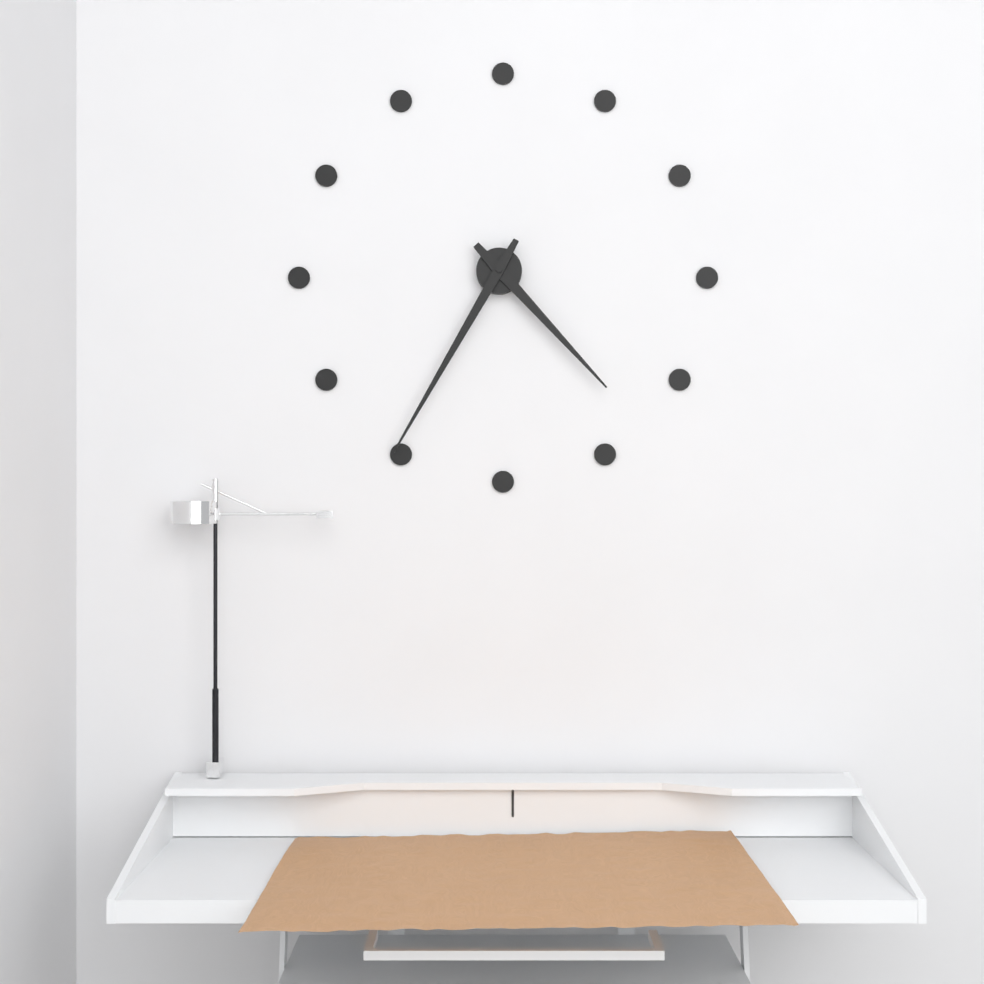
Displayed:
4.35
